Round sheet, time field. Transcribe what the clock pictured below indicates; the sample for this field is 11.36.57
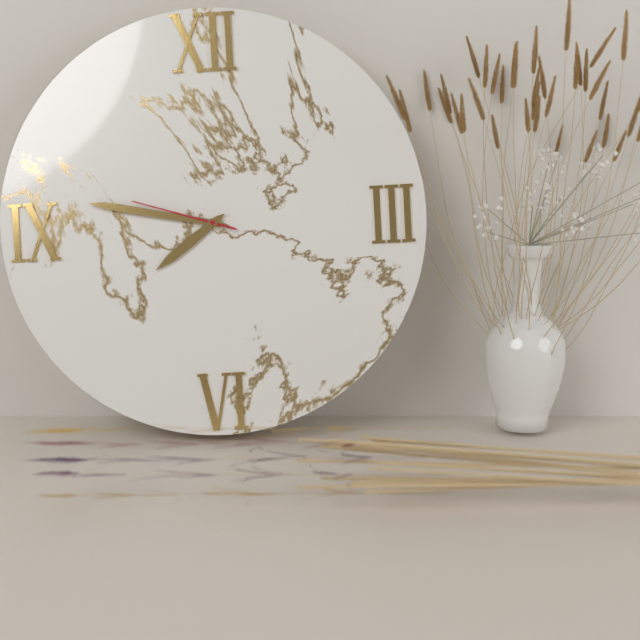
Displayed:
7.47.48
